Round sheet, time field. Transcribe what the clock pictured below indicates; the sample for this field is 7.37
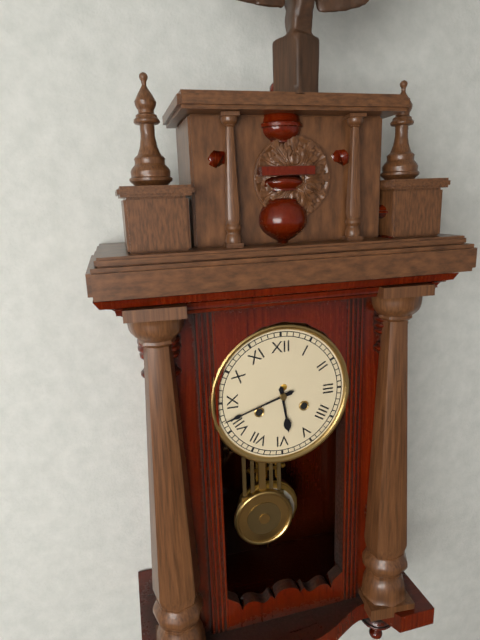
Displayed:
5.42
